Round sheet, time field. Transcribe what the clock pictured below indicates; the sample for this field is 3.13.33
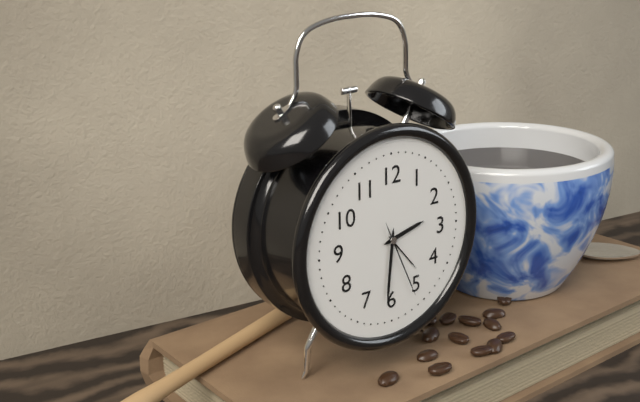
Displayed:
2.31.26
